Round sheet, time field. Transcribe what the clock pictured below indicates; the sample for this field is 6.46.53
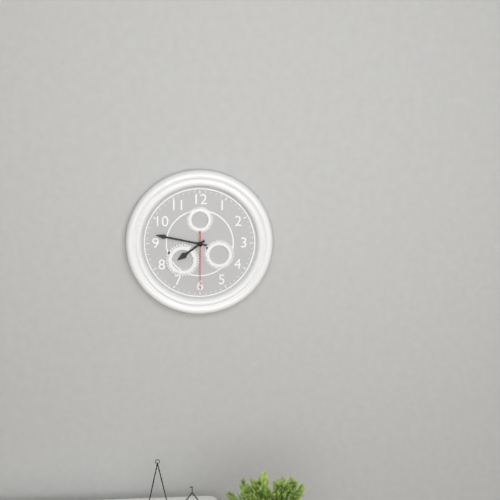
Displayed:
7.47.30
